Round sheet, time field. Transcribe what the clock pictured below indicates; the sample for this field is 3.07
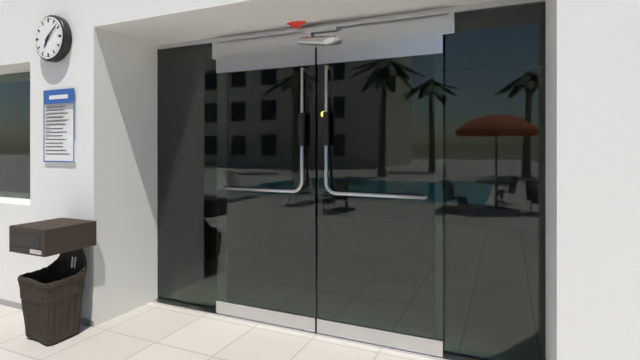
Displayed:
7.08
